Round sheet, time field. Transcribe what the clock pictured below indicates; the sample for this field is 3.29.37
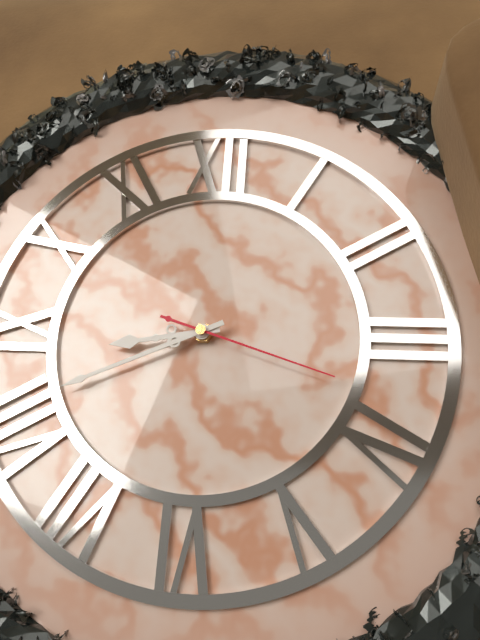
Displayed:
8.41.18
